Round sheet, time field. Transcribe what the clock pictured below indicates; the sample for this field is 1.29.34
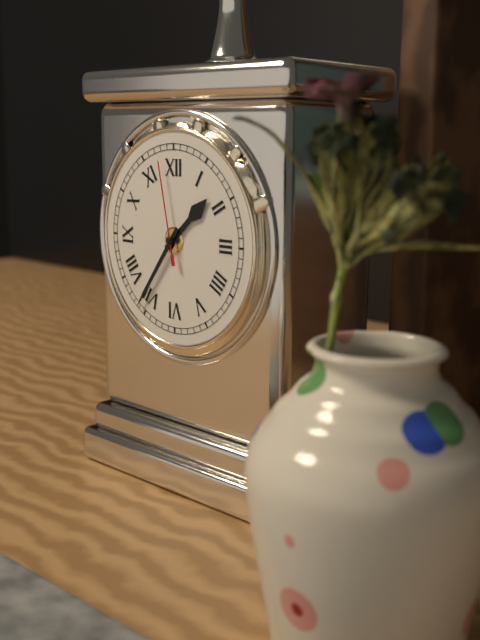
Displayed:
1.36.58
